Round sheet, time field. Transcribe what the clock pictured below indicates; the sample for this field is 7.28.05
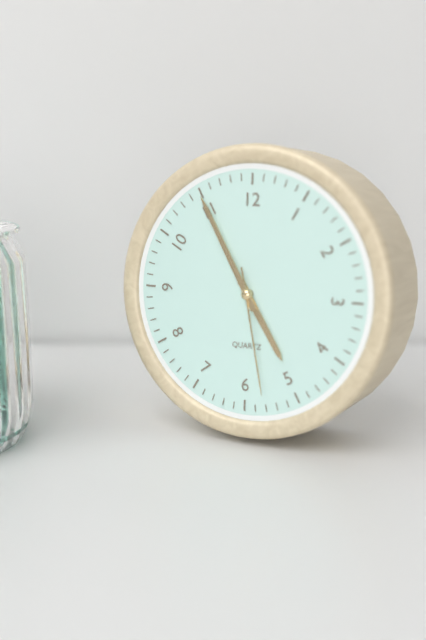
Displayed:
4.55.28
